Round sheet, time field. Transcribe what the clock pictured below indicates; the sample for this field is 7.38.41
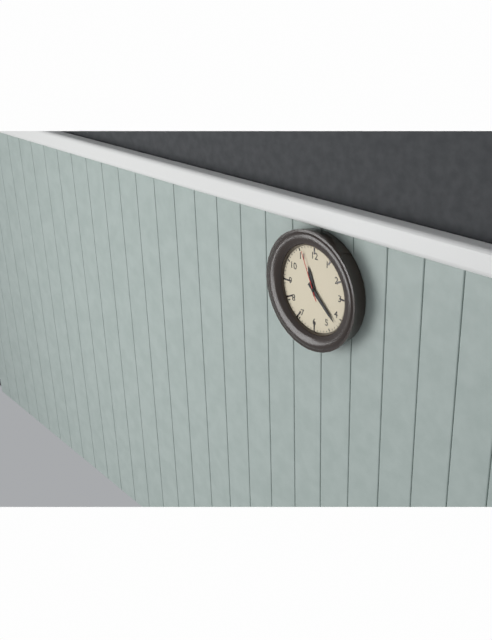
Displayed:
11.22.56
